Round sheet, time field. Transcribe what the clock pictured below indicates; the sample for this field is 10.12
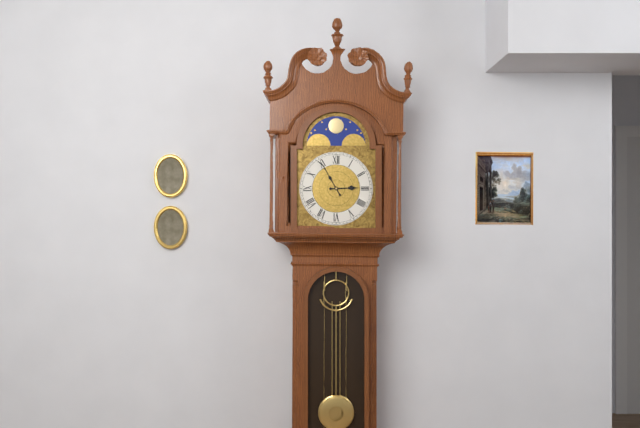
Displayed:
2.55
